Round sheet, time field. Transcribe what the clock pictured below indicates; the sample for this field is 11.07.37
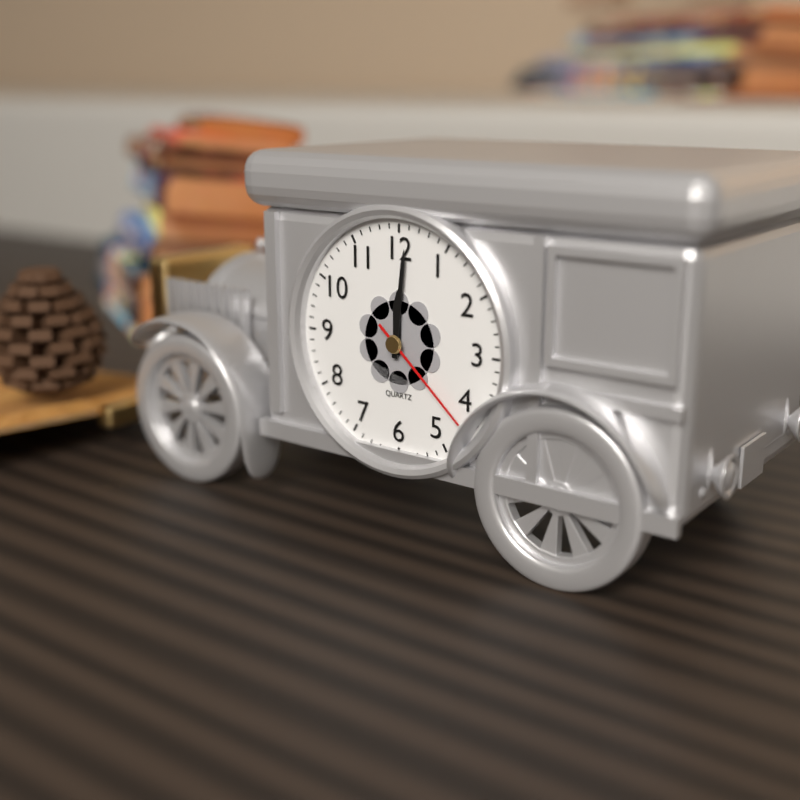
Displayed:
12.01.22
